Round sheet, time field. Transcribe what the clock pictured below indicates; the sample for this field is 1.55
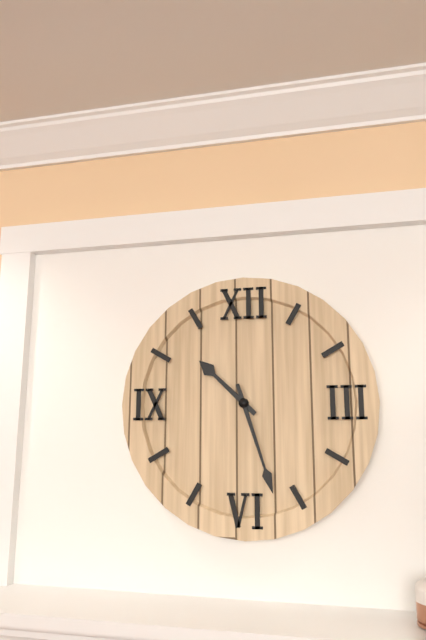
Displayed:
10.27
